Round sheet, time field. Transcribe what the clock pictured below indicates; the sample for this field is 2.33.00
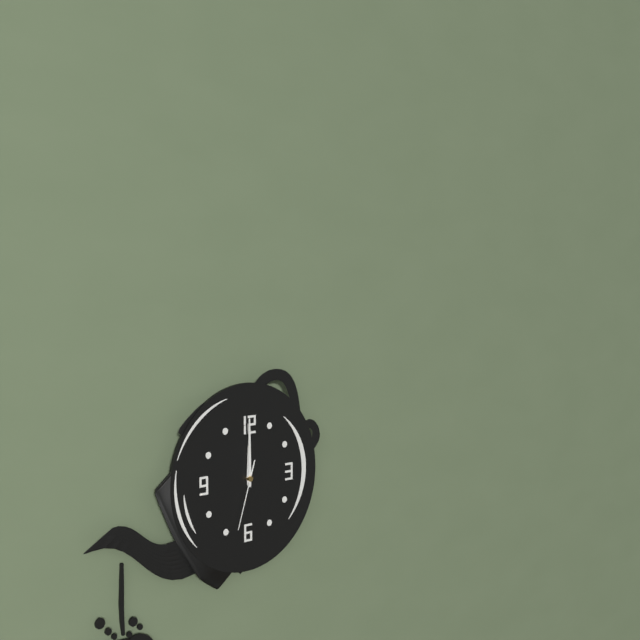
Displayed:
12.00.33
